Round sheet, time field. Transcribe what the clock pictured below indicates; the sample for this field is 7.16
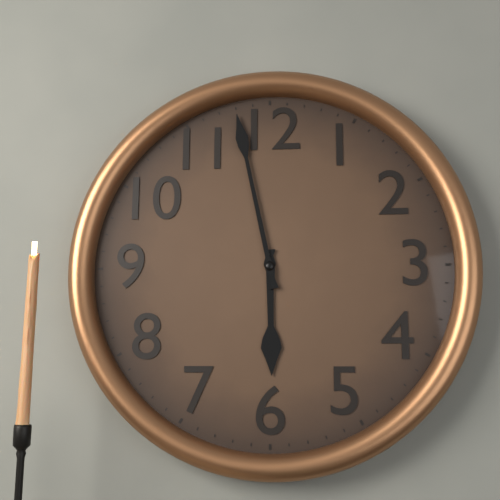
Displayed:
5.58
